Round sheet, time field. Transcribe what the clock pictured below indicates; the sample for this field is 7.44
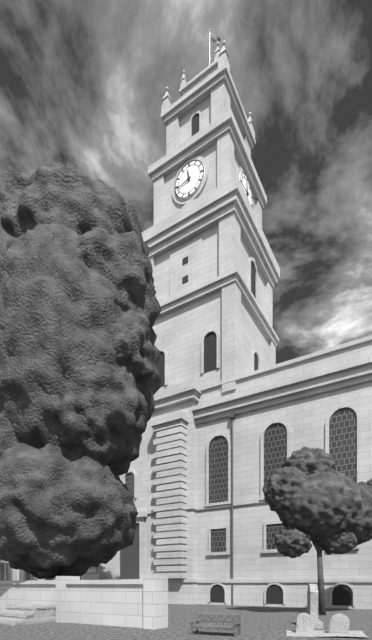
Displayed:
11.43
